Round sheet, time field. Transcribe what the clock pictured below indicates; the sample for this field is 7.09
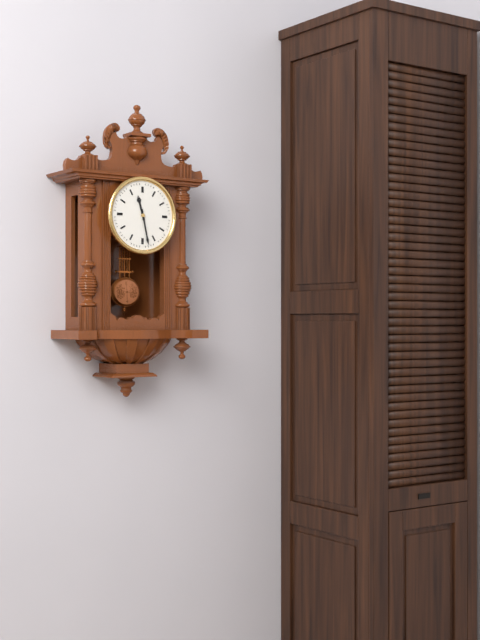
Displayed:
11.28
